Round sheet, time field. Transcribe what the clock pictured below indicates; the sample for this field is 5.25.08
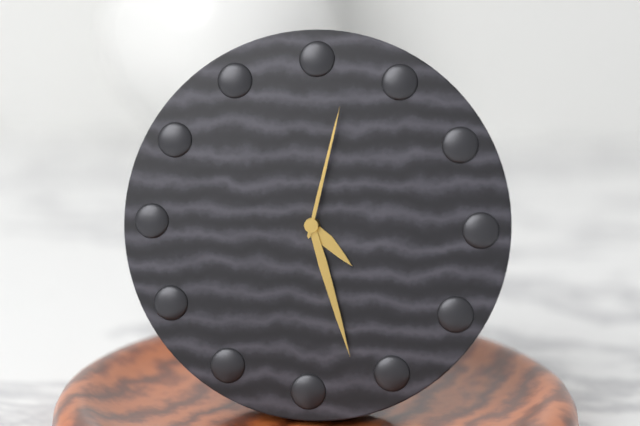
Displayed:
4.27.02
